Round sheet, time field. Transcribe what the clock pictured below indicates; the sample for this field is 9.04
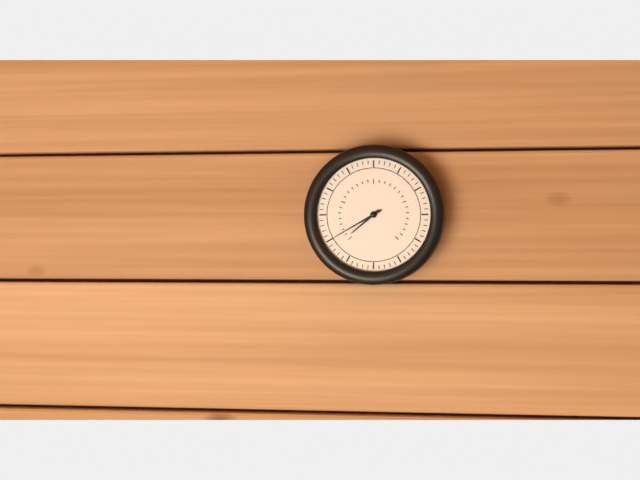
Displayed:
7.40
